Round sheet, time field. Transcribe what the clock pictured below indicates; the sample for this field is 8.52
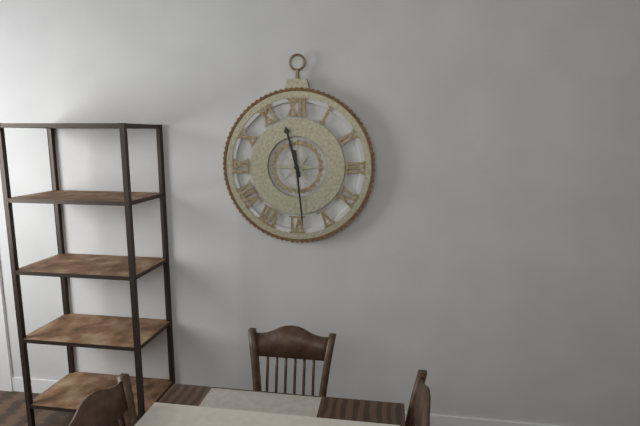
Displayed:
11.29
